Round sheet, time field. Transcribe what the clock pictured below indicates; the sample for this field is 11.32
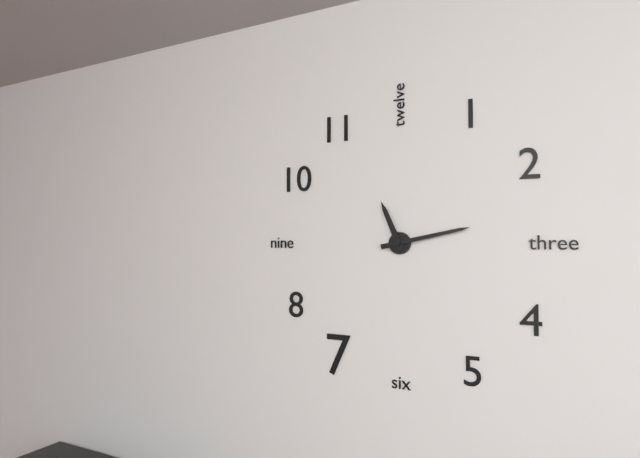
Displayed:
11.13
